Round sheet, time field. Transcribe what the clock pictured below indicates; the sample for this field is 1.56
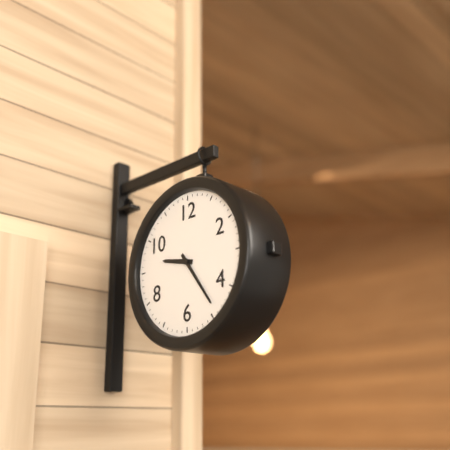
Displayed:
9.24
